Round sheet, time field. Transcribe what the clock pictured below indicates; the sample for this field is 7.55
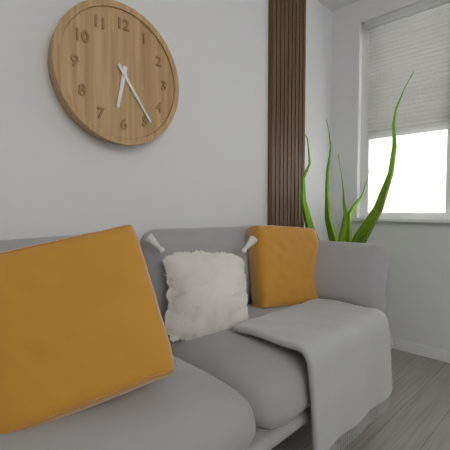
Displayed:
6.24
